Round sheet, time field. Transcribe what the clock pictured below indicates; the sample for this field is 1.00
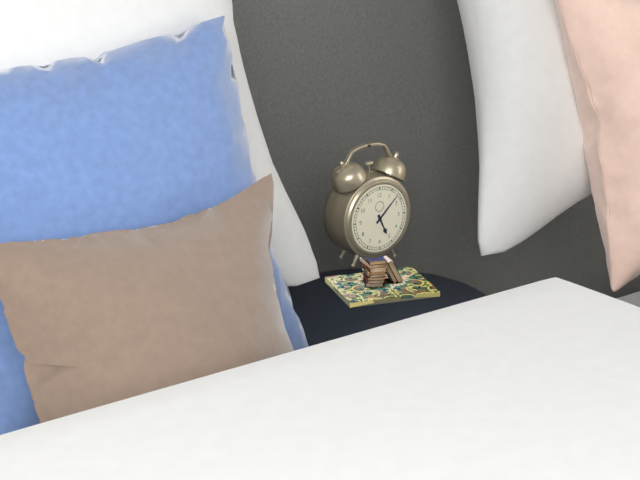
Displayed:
5.08
